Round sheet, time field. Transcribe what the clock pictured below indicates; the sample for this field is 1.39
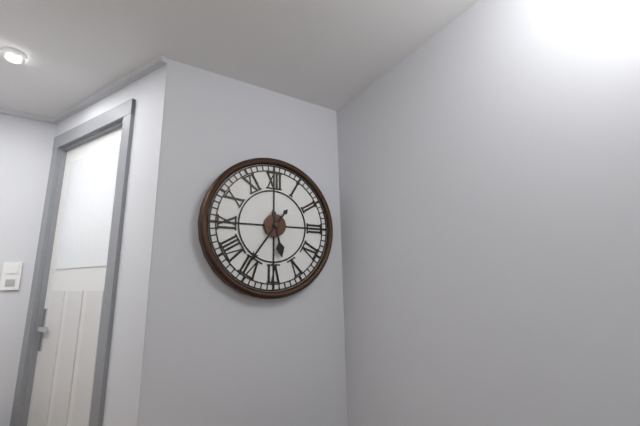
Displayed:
5.36
